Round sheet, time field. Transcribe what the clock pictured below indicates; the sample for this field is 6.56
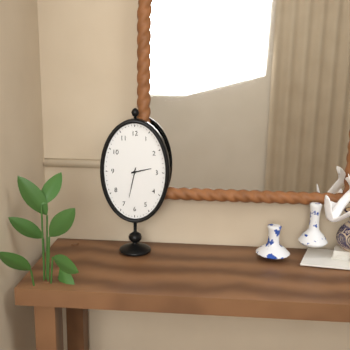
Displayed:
2.32
